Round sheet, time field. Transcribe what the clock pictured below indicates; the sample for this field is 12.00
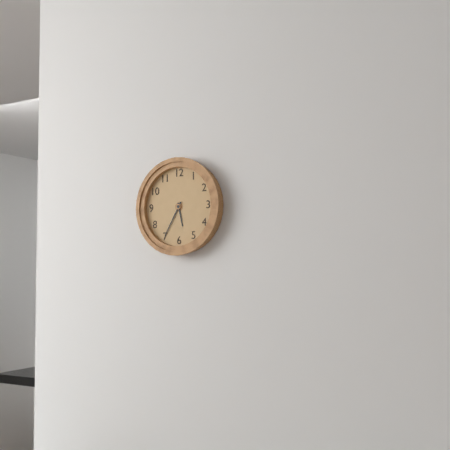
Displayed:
5.35
